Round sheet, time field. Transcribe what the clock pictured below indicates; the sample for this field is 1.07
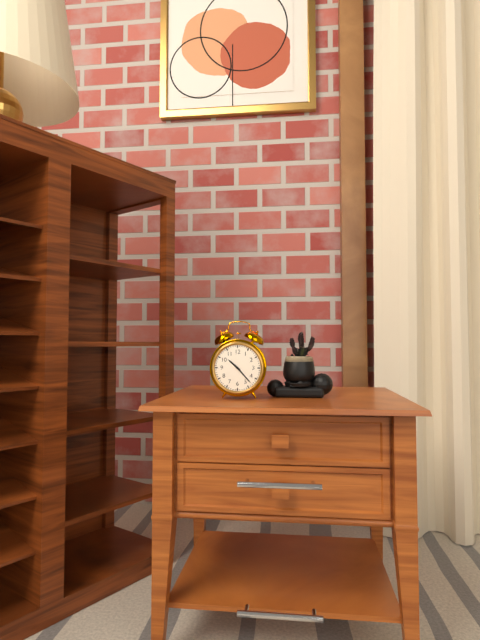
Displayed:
10.23
